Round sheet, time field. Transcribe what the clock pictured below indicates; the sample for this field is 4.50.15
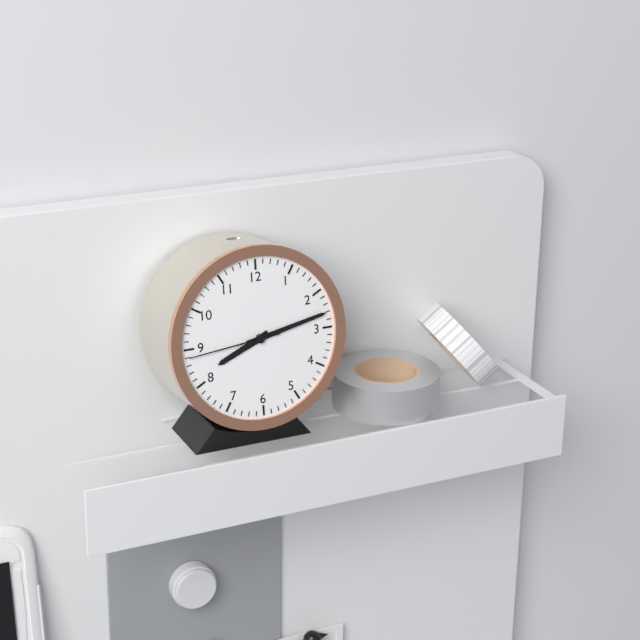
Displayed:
8.13.44
